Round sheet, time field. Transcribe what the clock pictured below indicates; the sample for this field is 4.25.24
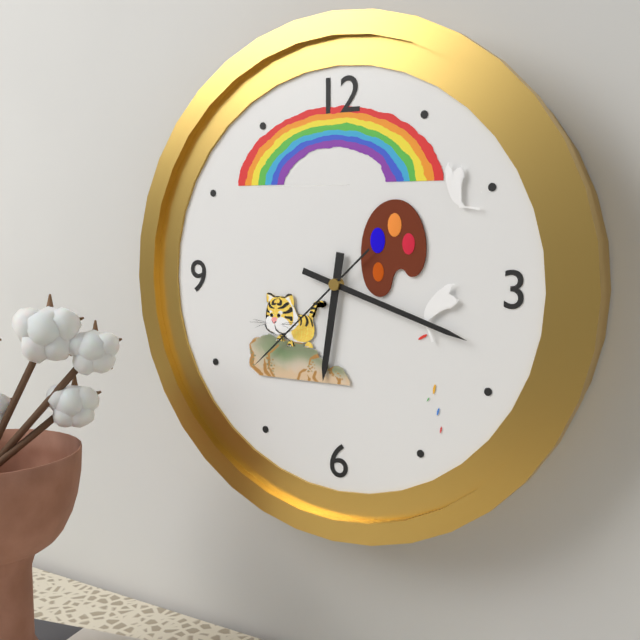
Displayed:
6.18.38
